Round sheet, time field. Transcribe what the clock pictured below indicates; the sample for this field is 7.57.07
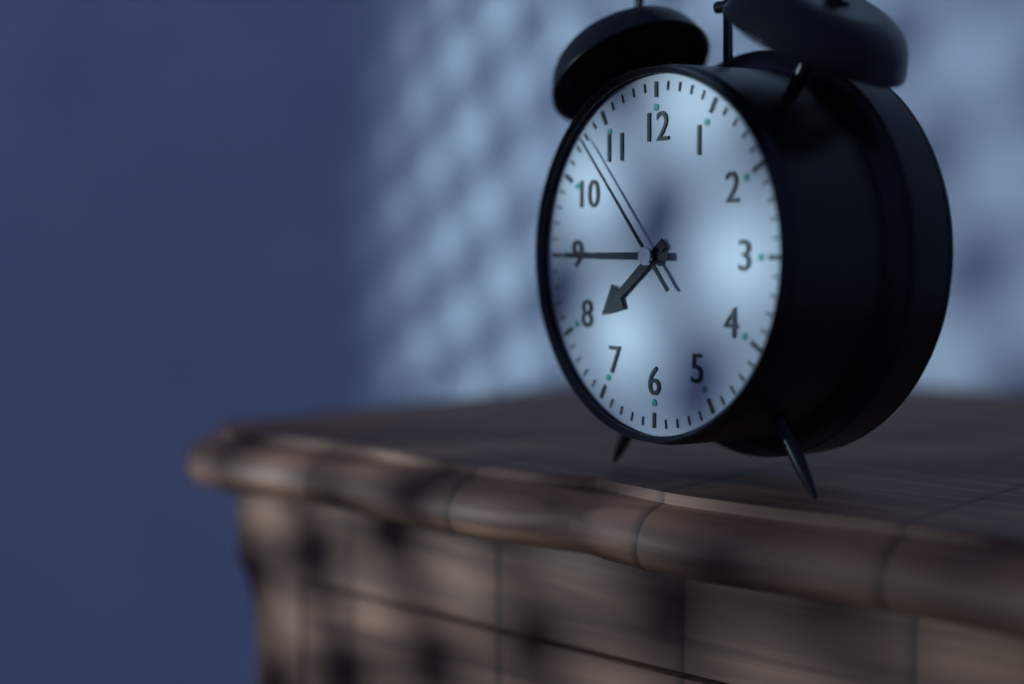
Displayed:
7.45.53
